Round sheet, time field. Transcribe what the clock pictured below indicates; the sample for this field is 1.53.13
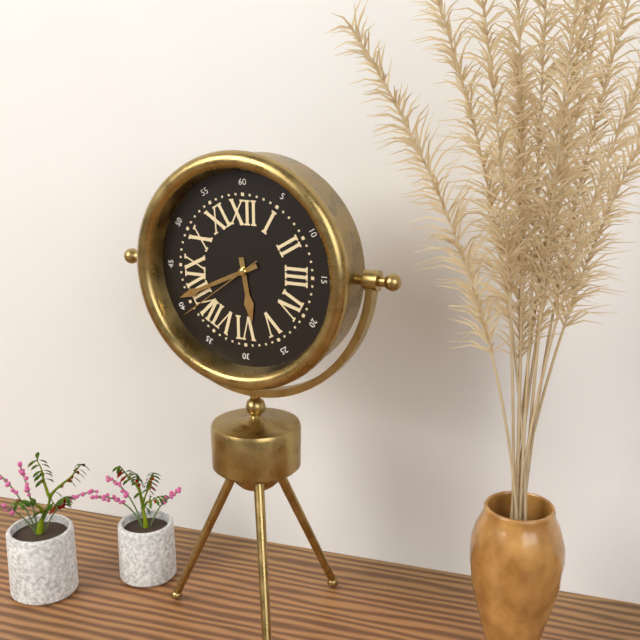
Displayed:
5.41.39
